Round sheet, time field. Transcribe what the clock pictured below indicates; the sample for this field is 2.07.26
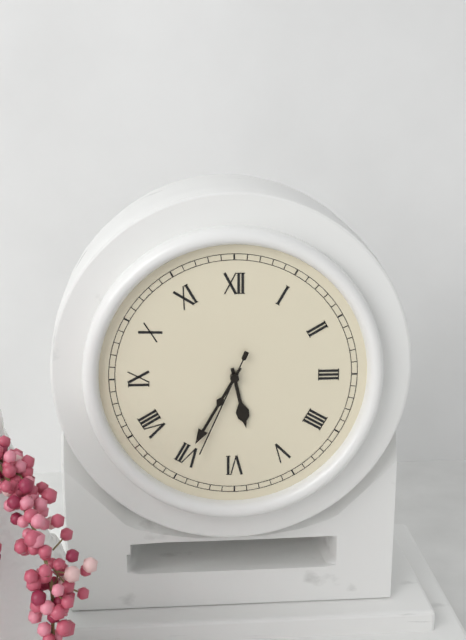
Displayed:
5.35.34
